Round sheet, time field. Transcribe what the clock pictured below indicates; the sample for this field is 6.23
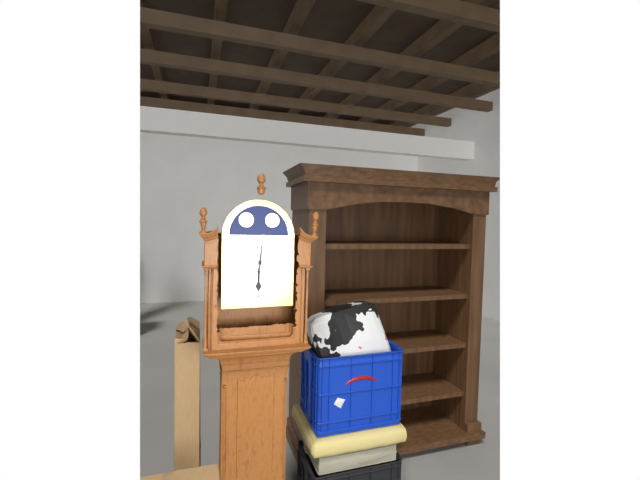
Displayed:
6.01
